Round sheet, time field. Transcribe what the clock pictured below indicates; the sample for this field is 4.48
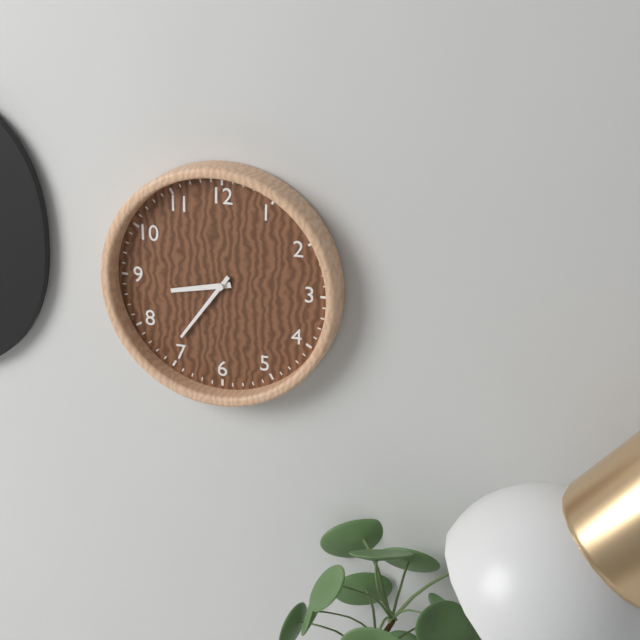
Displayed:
8.36
